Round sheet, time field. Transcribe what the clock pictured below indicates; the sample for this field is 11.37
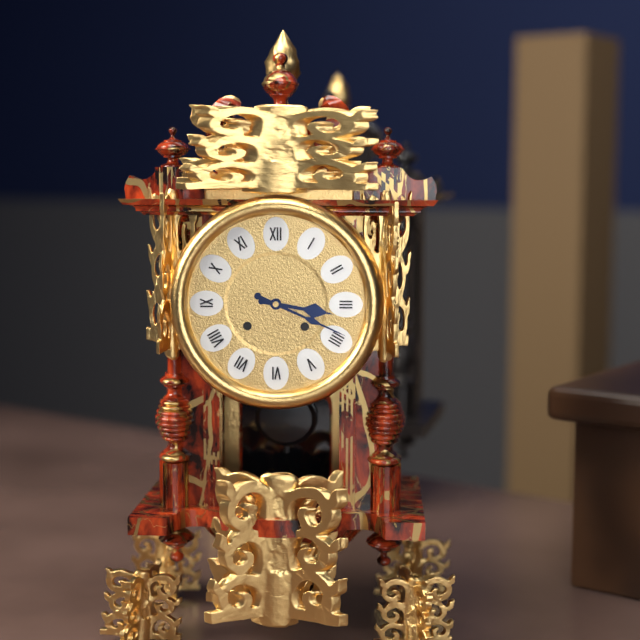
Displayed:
3.19
